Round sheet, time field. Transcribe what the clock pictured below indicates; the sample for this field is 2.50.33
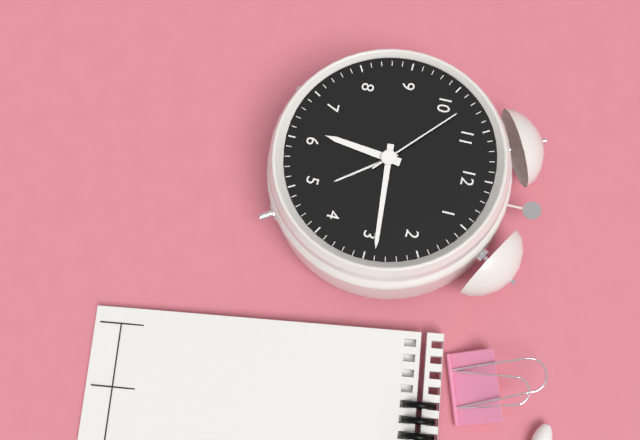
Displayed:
6.14.52
